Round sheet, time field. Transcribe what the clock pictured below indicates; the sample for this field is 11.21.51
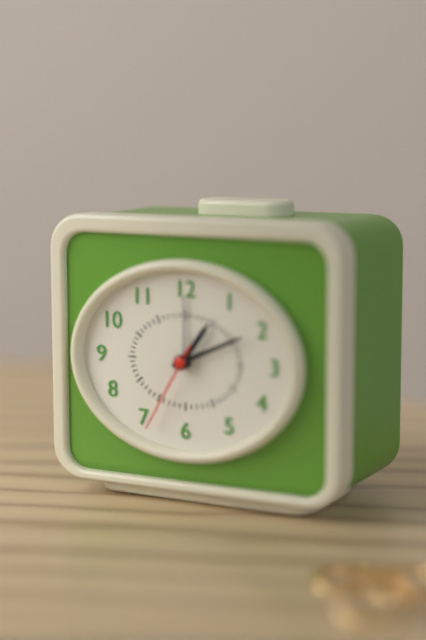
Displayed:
1.11.35
